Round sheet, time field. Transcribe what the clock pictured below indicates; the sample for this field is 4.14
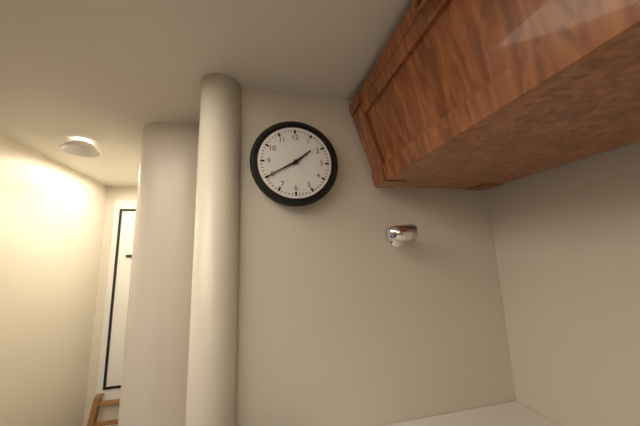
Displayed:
1.40
